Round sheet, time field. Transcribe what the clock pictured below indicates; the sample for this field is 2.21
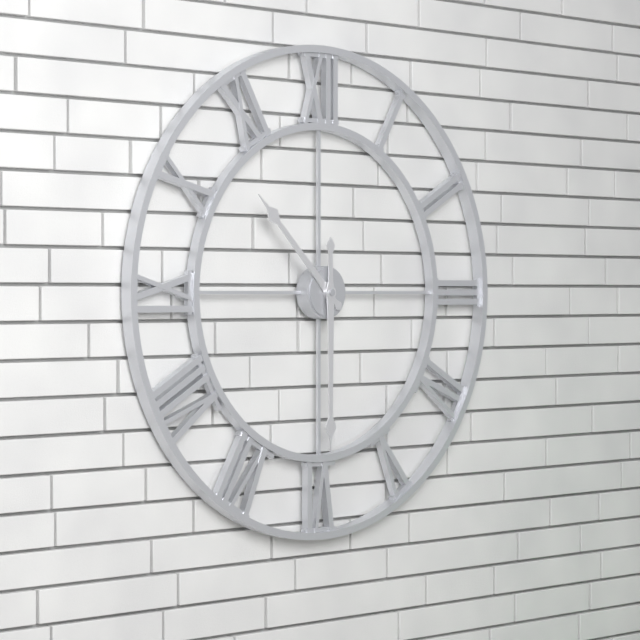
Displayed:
10.30
